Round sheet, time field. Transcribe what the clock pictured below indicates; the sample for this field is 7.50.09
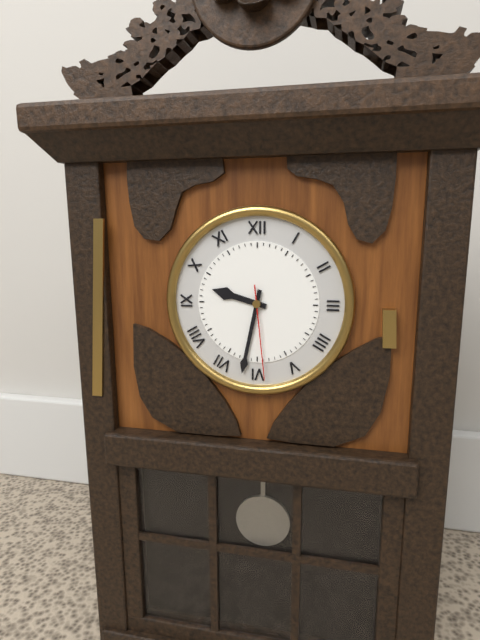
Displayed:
9.32.29
